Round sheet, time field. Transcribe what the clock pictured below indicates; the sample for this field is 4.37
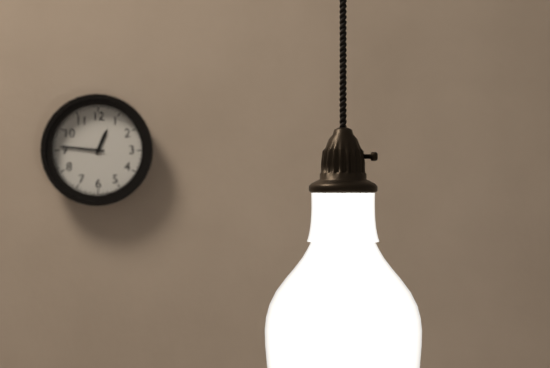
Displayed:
12.46
